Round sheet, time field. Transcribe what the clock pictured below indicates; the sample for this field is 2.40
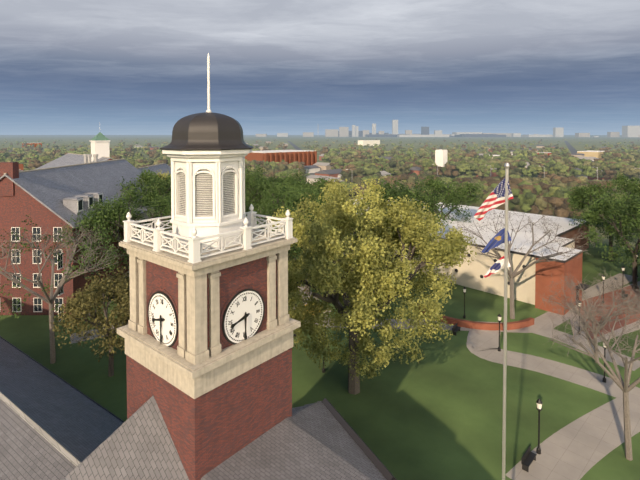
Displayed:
8.30
